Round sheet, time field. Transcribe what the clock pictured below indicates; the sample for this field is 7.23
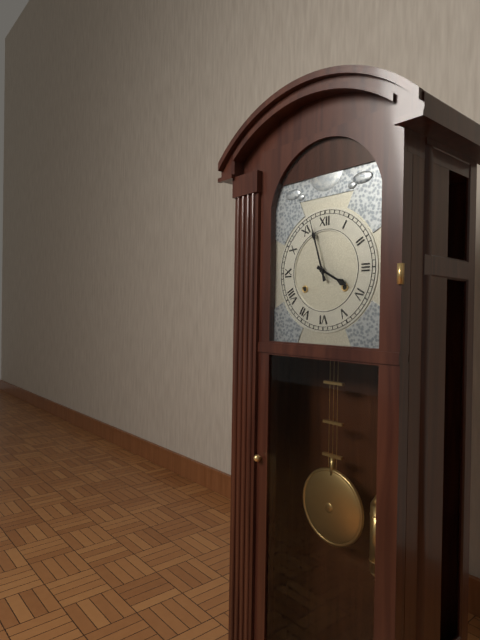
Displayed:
3.57
